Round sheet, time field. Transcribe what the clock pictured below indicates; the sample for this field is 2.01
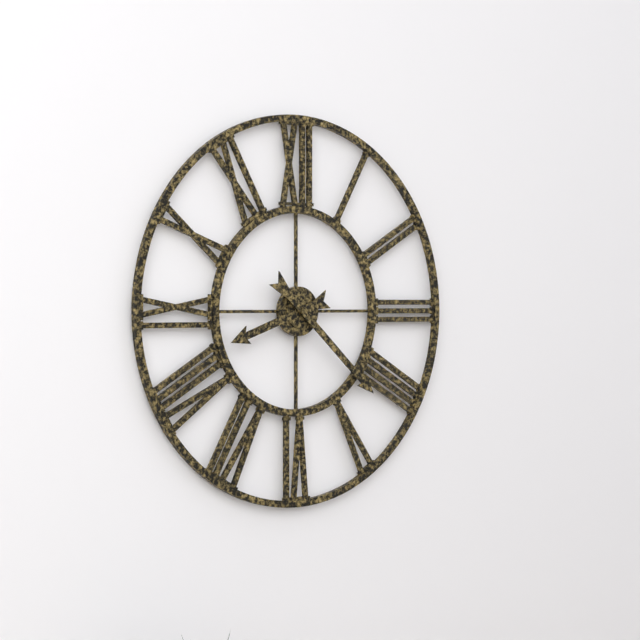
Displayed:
8.22
